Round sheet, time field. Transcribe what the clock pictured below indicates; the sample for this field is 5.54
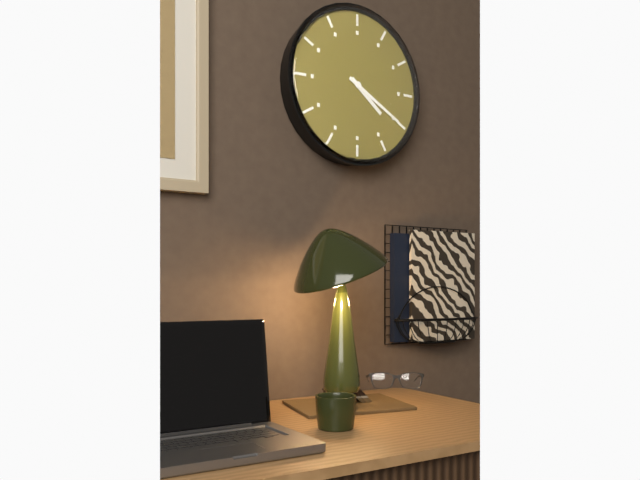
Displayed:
4.20
